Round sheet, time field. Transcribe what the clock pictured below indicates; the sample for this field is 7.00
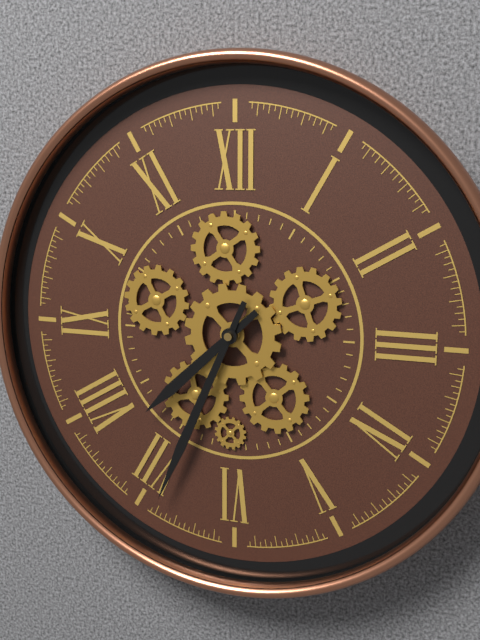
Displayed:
7.34
